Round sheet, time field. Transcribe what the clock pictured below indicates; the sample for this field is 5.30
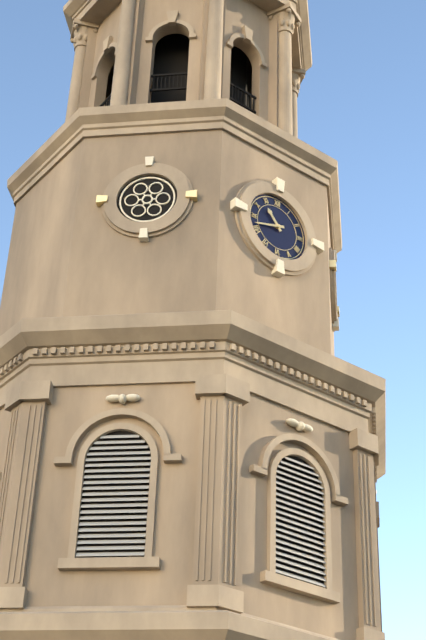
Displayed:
10.42
